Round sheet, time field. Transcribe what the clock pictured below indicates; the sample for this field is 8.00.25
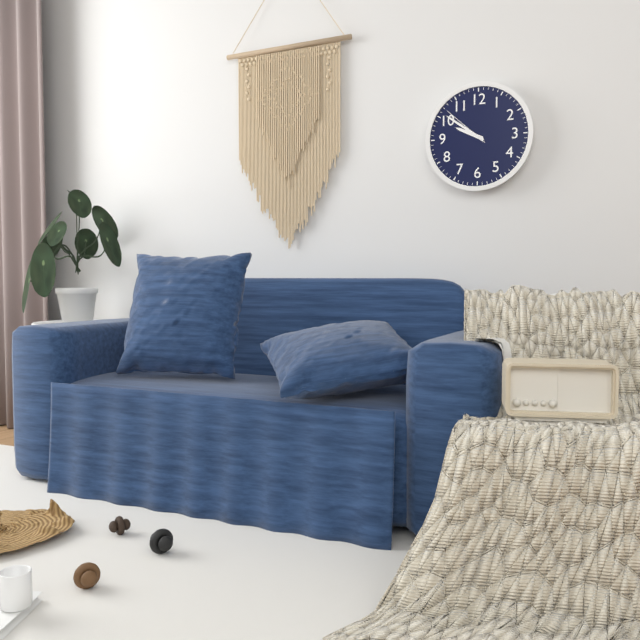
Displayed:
9.51.52
